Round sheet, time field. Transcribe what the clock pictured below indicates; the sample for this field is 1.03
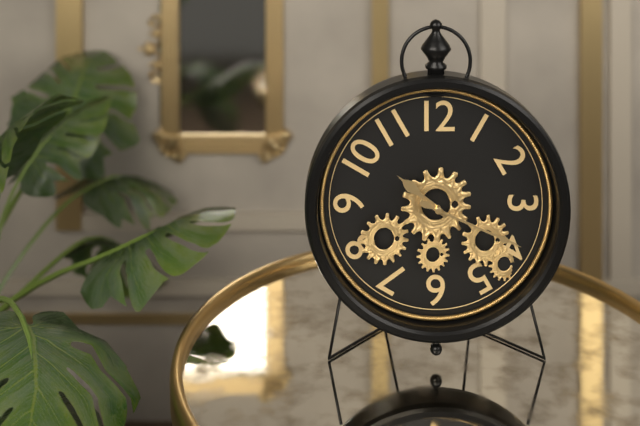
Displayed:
10.19
